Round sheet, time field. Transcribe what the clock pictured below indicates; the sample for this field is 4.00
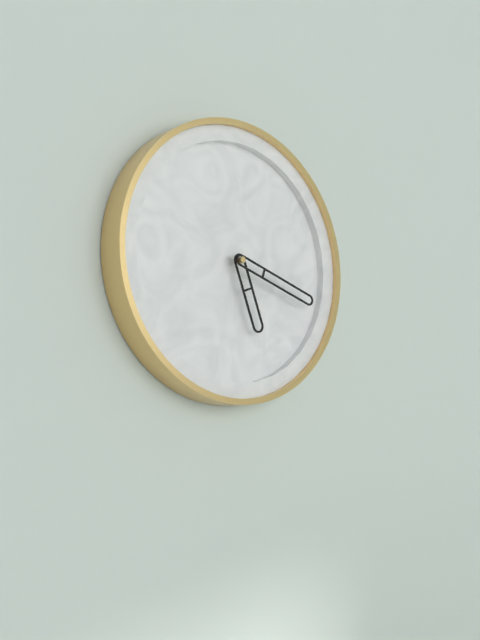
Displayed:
5.18
